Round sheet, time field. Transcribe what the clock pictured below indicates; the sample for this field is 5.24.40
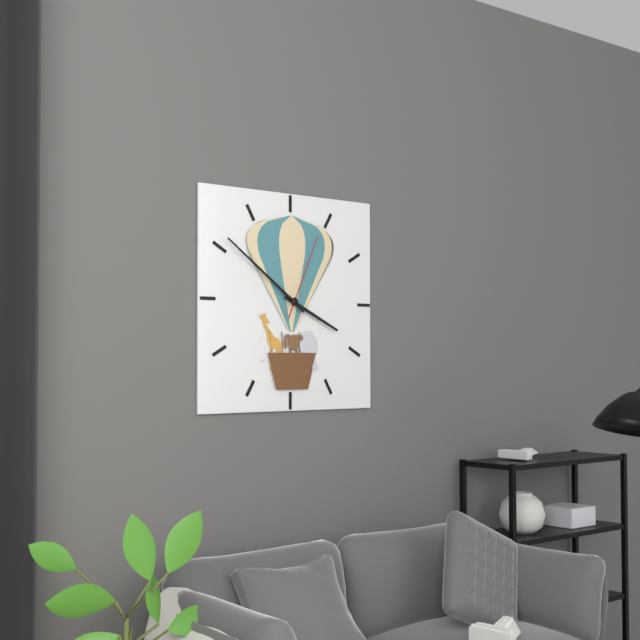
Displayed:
3.51.04
